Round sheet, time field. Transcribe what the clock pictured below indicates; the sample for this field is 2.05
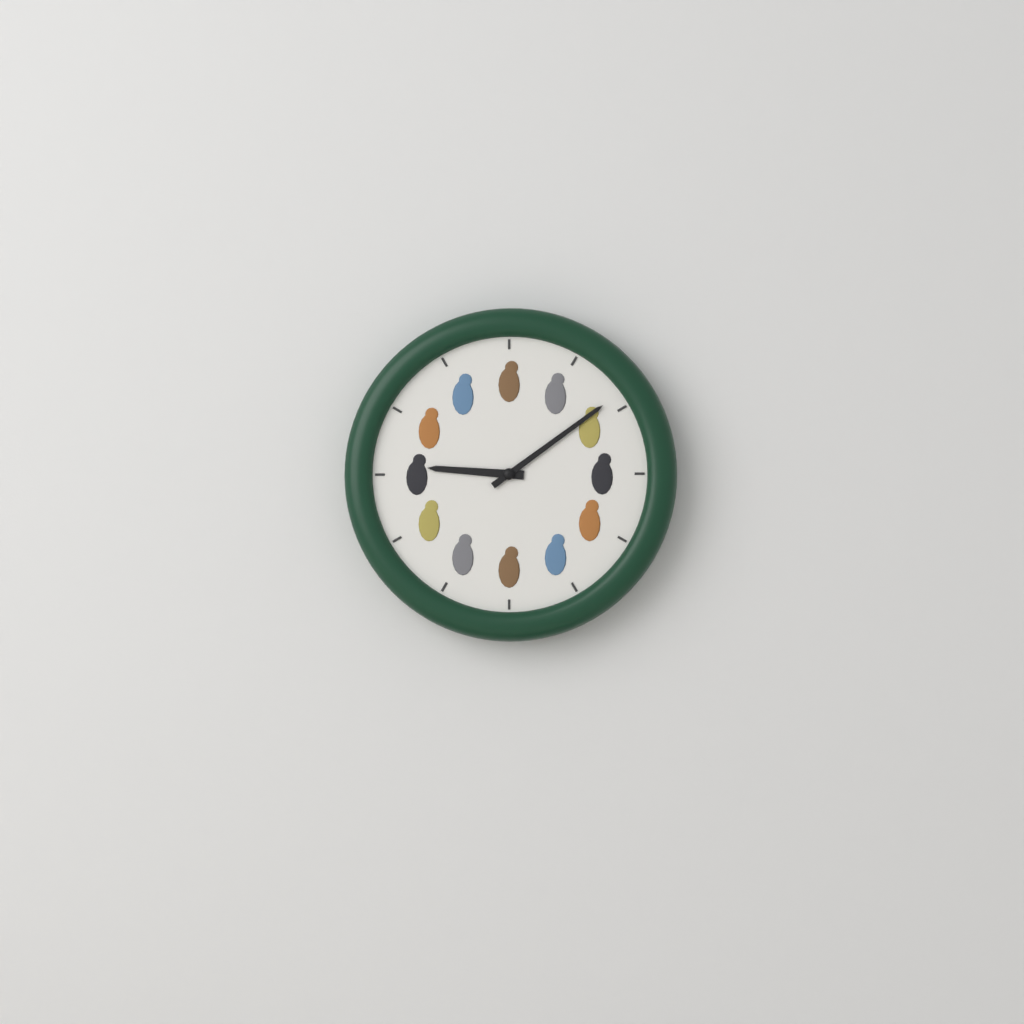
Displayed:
9.09
